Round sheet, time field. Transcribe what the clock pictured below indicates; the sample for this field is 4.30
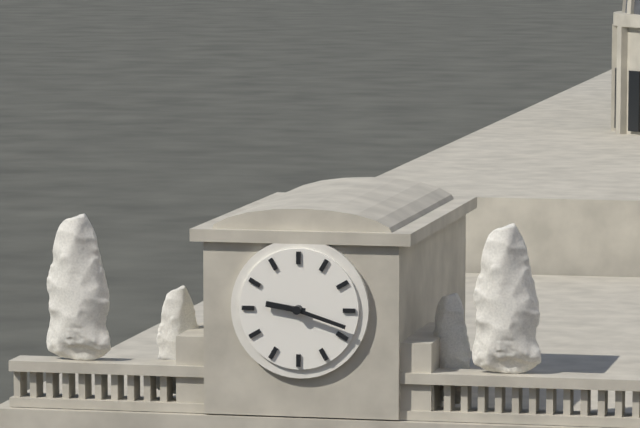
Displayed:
9.18
